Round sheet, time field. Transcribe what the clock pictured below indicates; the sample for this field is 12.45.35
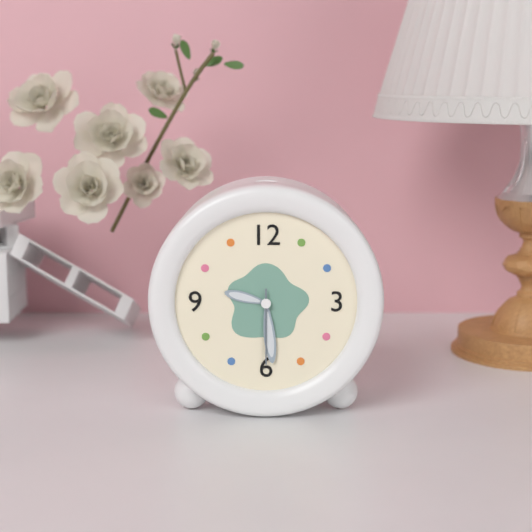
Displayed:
9.29.30
